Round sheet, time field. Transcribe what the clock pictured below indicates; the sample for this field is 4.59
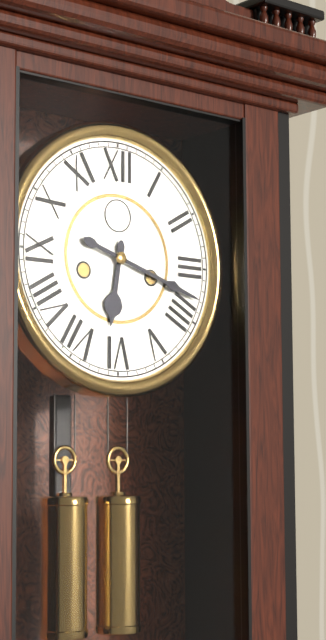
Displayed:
6.18
